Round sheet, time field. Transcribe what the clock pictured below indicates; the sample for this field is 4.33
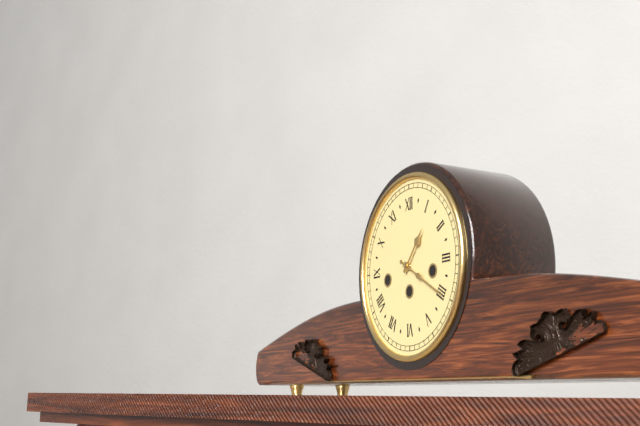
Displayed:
1.20
